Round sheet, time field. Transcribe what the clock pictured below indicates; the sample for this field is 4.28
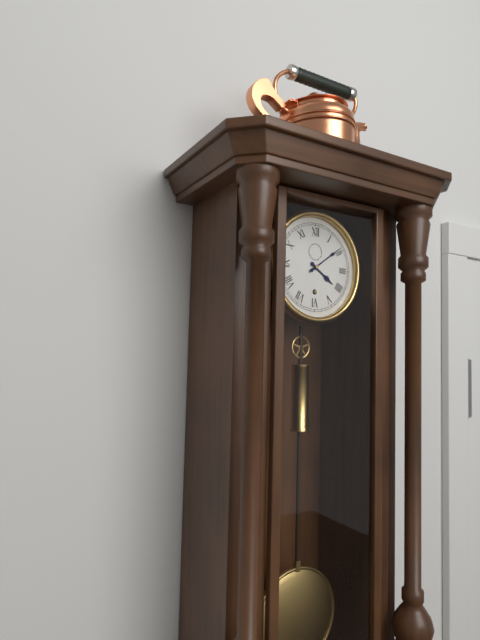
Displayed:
4.09
